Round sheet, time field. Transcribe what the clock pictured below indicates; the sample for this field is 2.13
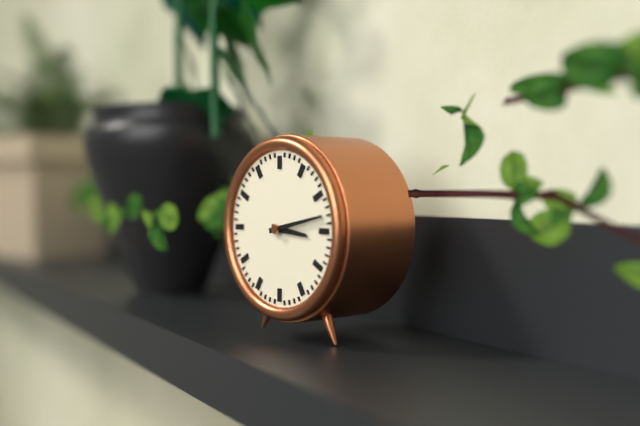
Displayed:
3.13
